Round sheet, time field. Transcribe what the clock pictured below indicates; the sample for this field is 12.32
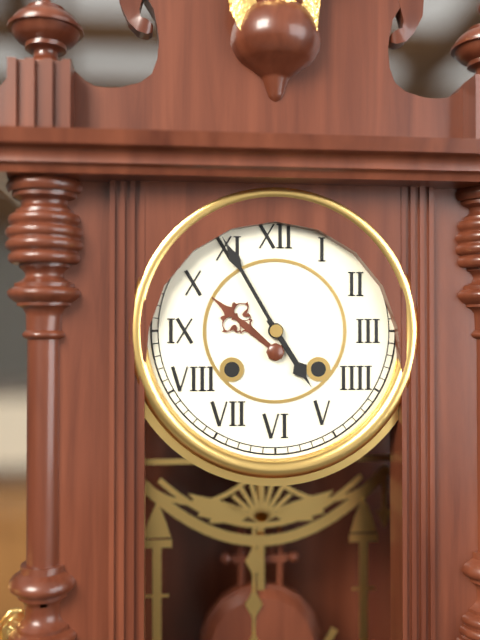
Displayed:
4.55
